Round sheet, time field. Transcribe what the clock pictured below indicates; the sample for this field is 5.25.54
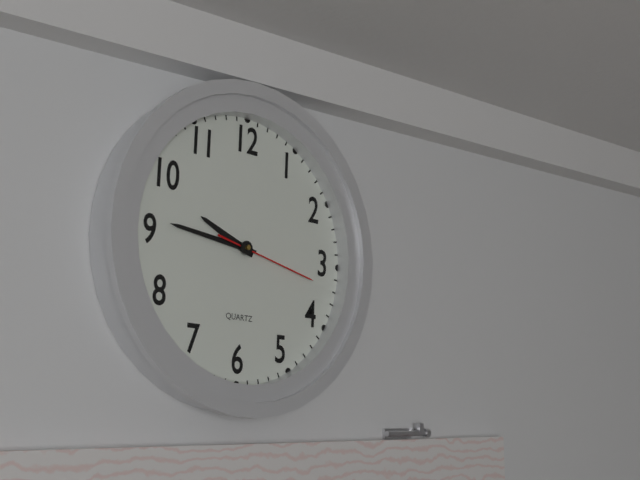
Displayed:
9.46.17
